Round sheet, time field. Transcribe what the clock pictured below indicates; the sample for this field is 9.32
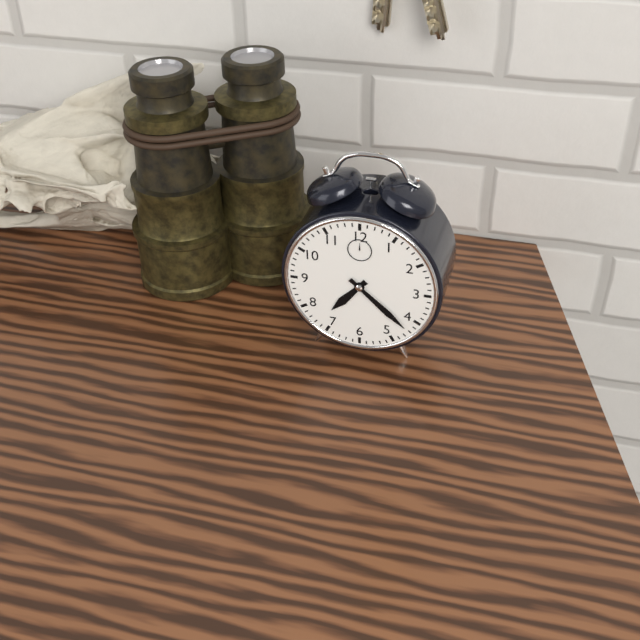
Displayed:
7.22
